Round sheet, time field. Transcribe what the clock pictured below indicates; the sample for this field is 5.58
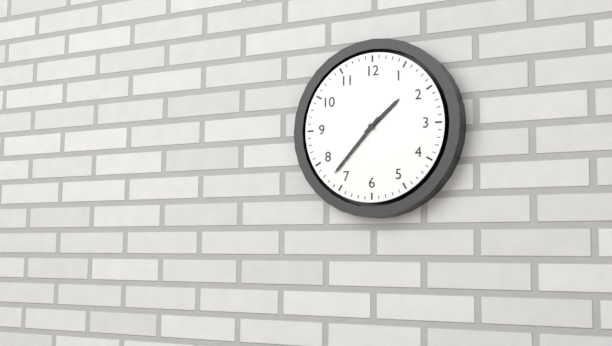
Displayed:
1.37
